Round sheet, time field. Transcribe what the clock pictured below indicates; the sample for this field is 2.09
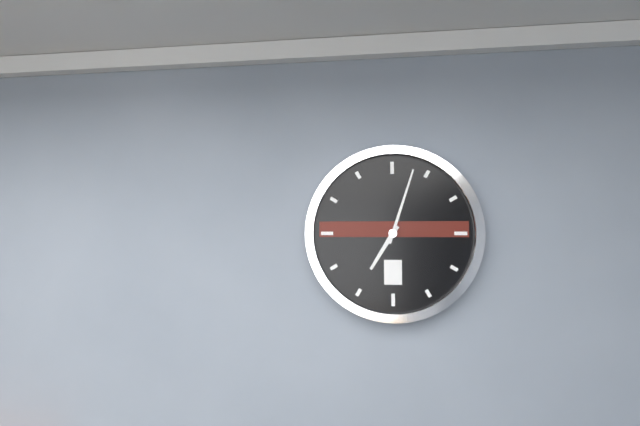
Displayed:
7.03
